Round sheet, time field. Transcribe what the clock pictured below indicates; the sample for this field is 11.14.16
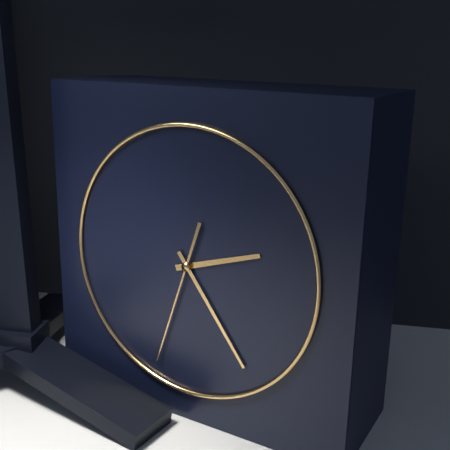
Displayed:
2.24.33
